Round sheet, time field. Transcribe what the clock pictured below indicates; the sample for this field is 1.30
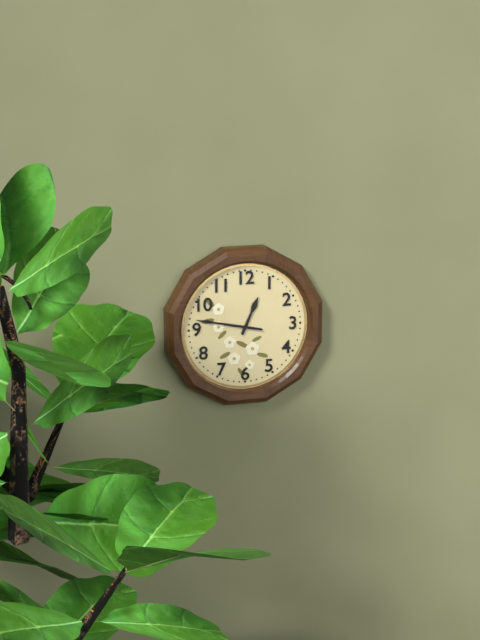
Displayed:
12.47
